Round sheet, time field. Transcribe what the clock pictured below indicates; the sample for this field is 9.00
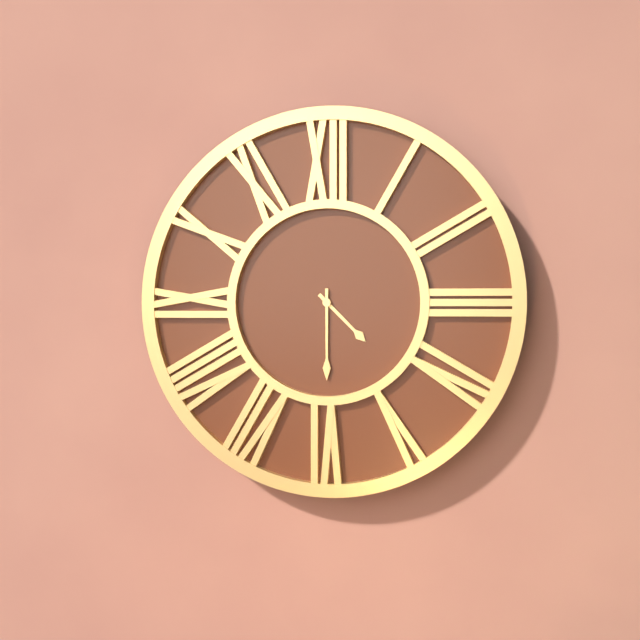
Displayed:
4.30
